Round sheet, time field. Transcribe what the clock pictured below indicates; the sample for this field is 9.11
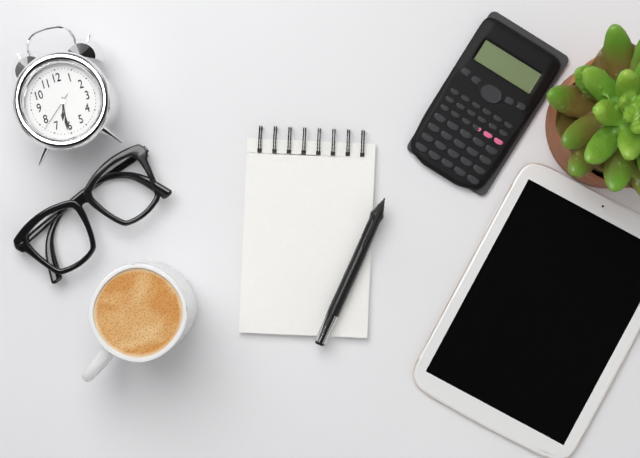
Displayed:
6.31
